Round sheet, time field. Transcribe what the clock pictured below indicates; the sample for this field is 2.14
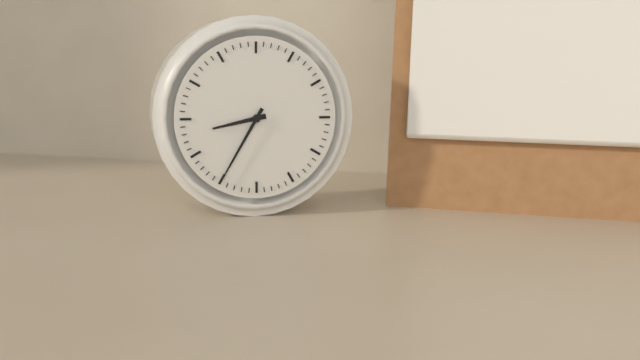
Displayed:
8.35
